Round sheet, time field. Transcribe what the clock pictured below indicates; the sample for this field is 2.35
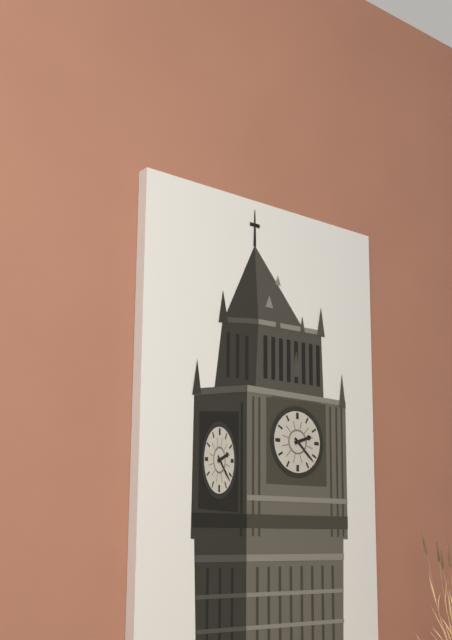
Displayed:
2.22
